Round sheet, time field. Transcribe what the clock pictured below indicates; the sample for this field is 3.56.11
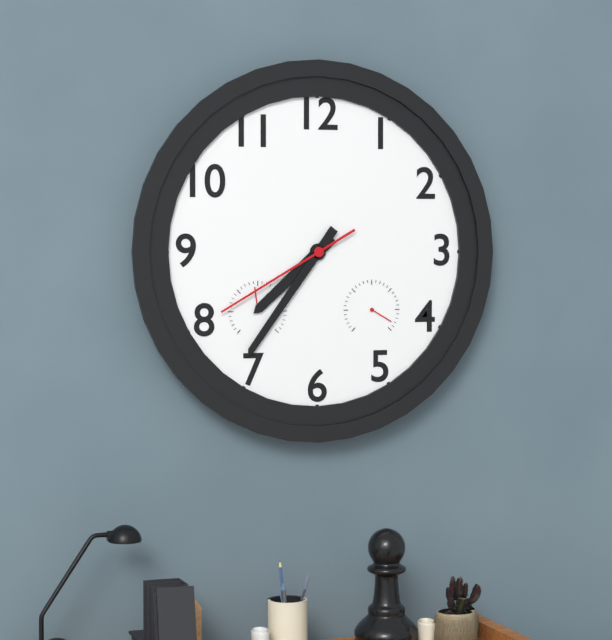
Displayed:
7.36.40
